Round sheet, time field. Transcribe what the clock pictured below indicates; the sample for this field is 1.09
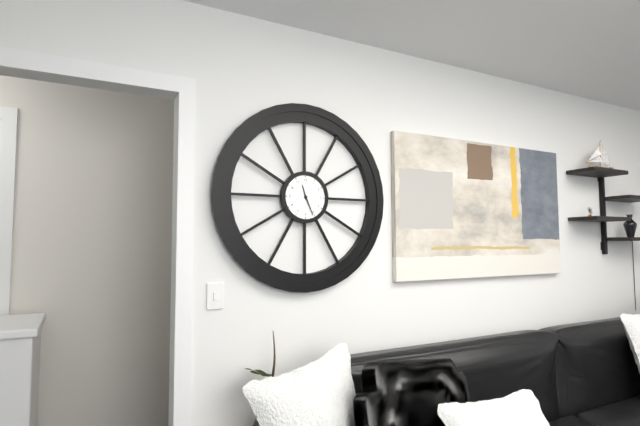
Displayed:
11.26
